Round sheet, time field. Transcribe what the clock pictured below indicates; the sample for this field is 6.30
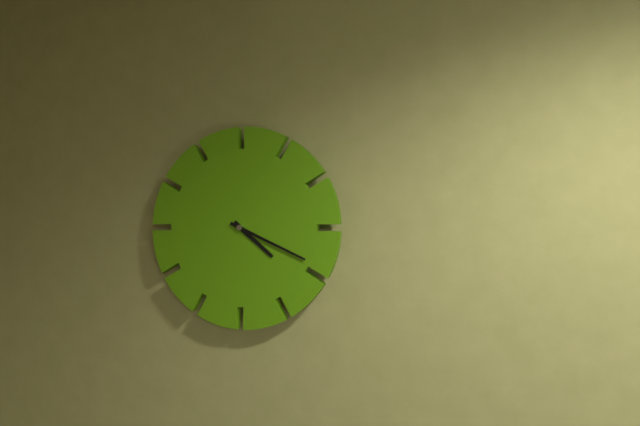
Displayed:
4.19
